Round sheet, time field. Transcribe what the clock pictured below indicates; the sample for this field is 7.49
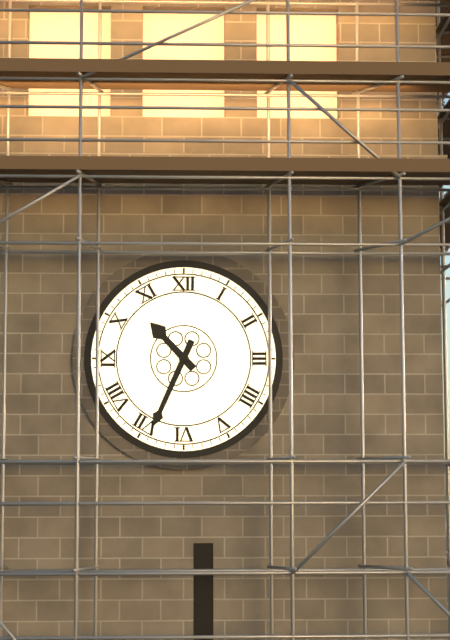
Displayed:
10.34
